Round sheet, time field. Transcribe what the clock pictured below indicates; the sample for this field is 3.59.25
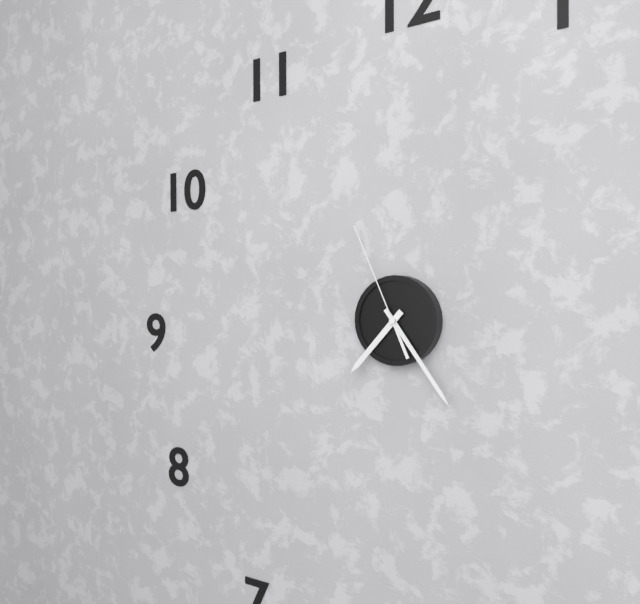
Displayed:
7.24.56
